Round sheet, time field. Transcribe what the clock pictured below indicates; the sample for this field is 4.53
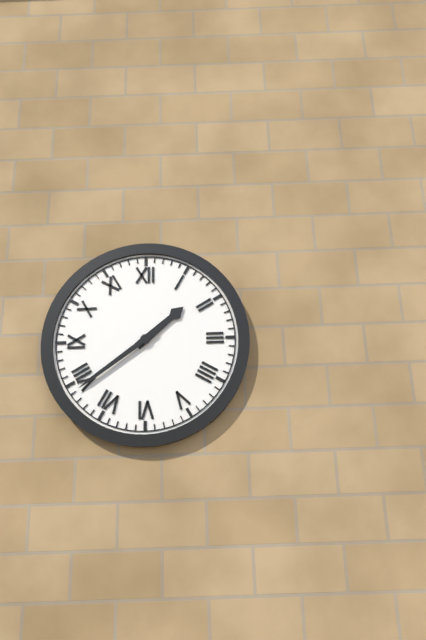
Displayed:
1.39
